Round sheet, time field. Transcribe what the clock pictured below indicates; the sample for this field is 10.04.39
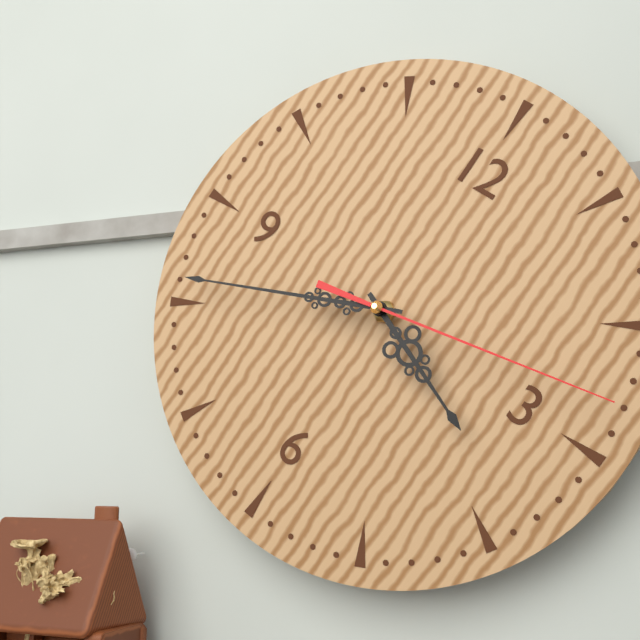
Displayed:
3.41.13
